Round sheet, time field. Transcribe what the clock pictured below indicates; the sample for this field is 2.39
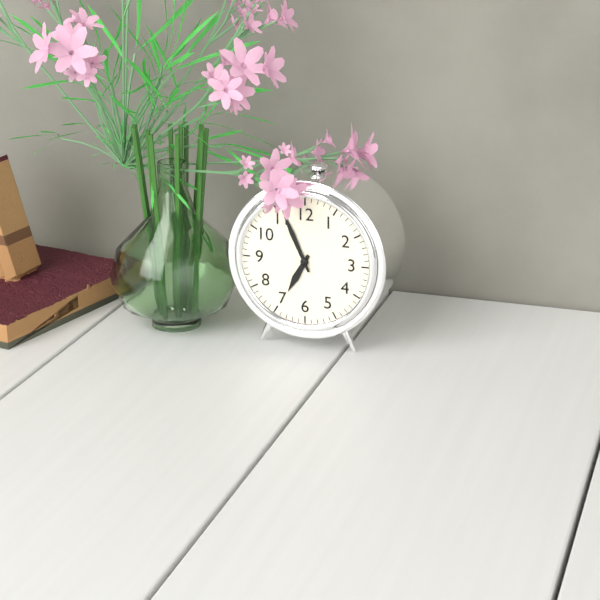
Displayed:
6.56
